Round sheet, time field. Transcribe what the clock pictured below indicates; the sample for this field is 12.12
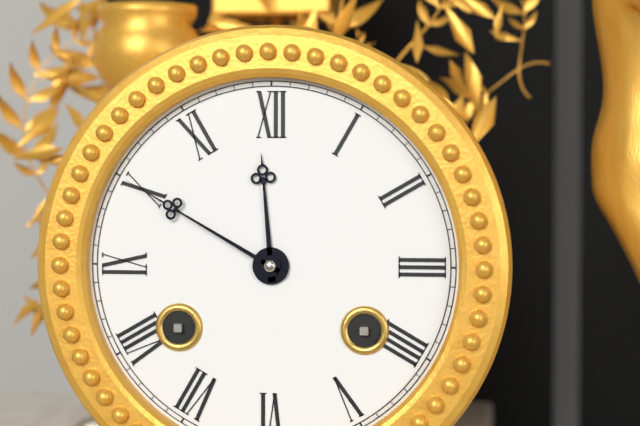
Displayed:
11.50
